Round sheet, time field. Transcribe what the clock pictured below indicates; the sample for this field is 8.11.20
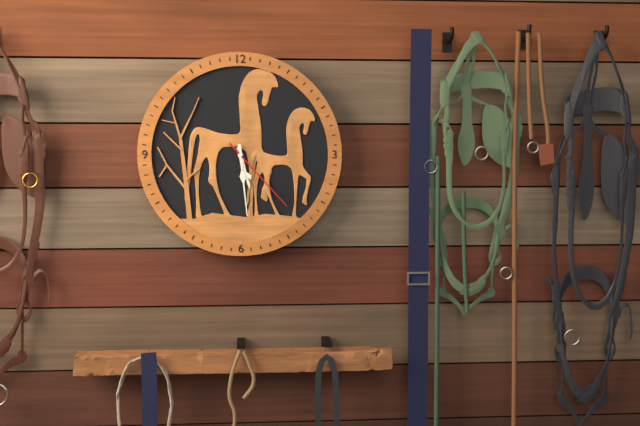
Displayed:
5.29.23
